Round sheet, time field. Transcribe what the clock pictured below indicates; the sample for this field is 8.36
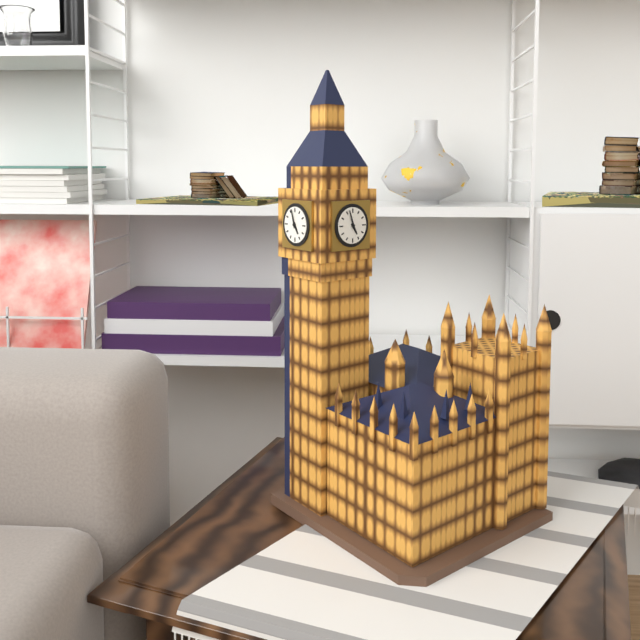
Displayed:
4.57
